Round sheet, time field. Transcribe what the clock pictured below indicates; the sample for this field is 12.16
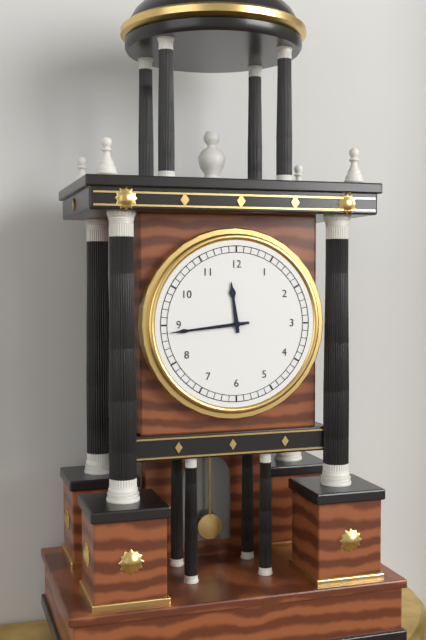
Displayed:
11.44
